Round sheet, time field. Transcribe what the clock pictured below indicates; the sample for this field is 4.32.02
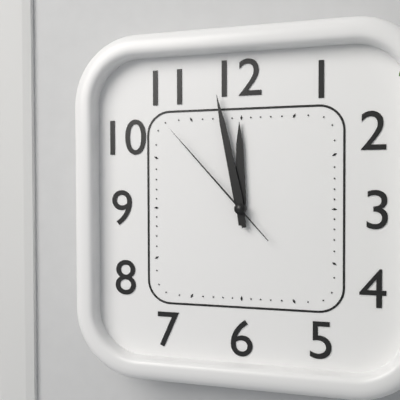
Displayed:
11.58.53
